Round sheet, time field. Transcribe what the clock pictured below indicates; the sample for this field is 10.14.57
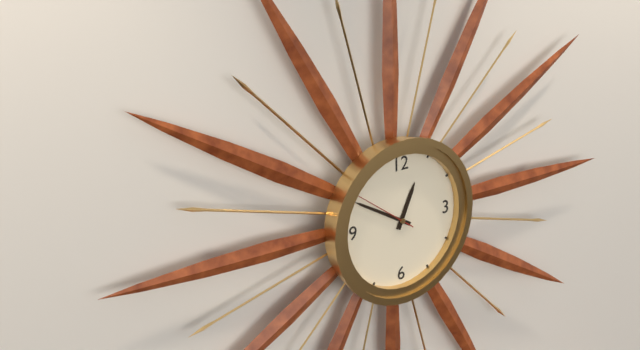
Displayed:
12.50.51
